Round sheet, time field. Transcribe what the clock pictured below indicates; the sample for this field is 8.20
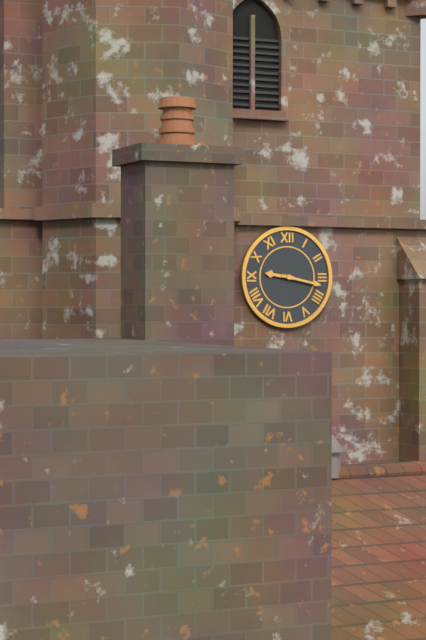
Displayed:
9.17
